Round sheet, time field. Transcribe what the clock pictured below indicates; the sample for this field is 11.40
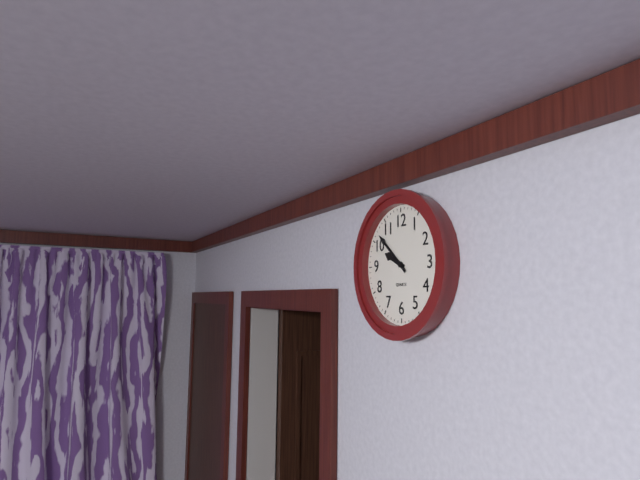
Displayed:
9.52
